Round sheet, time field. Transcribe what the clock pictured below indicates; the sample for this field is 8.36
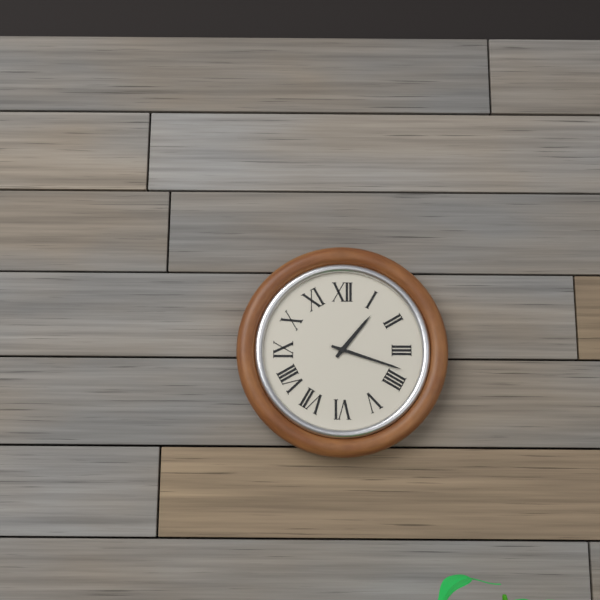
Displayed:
1.18
